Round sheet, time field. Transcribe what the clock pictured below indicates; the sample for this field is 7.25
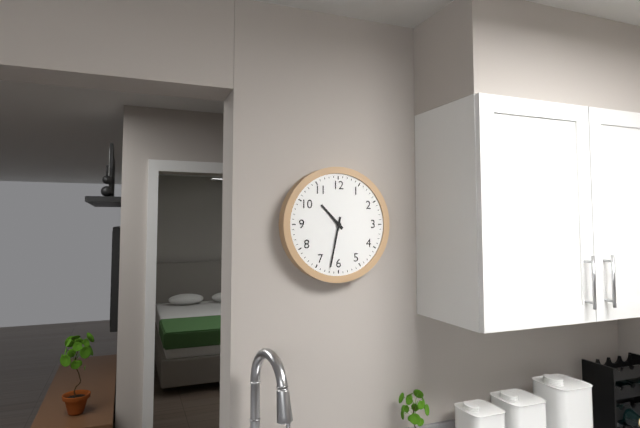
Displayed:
10.32
